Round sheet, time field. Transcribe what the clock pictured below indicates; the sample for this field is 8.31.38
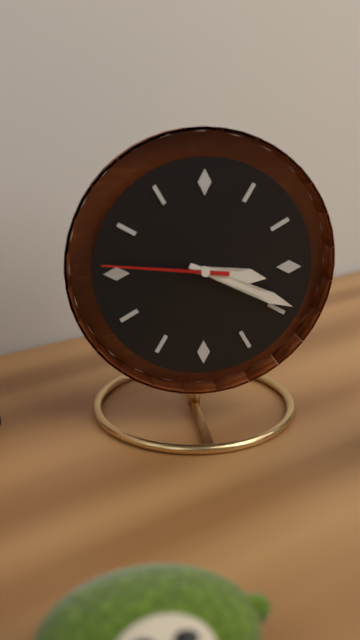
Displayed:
3.19.46
